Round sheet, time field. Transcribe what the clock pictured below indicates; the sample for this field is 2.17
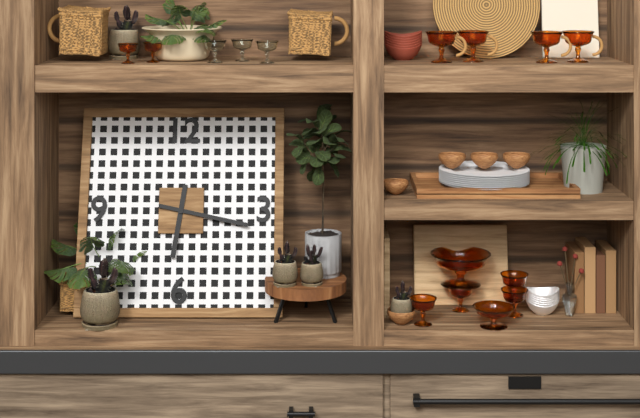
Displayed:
6.17
